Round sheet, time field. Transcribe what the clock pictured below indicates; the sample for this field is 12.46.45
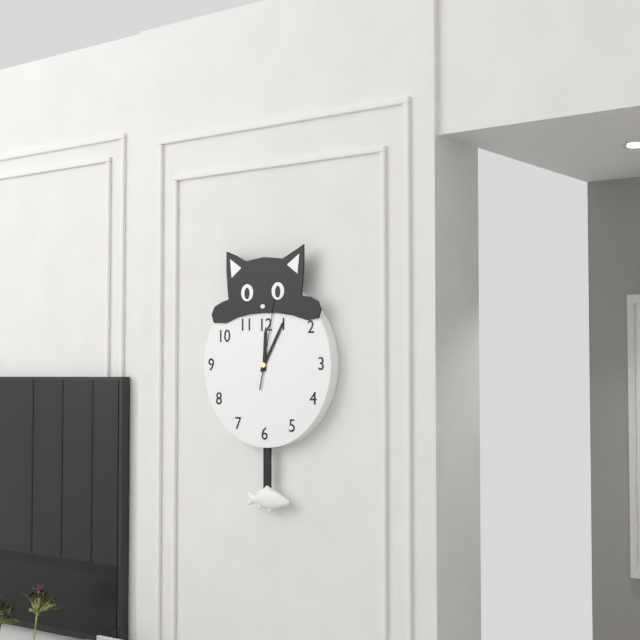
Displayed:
12.05.02
